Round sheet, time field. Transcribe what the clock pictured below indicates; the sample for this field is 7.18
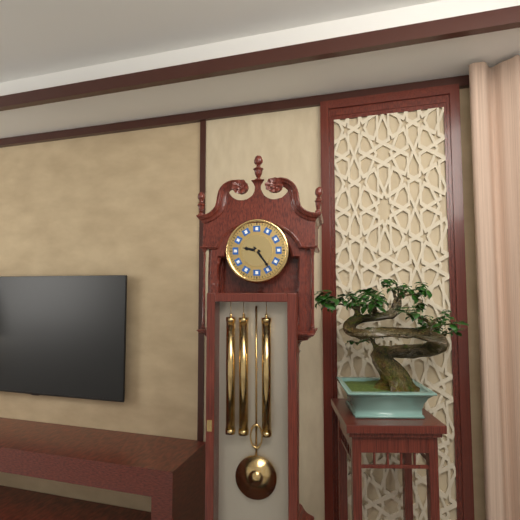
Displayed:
9.24
